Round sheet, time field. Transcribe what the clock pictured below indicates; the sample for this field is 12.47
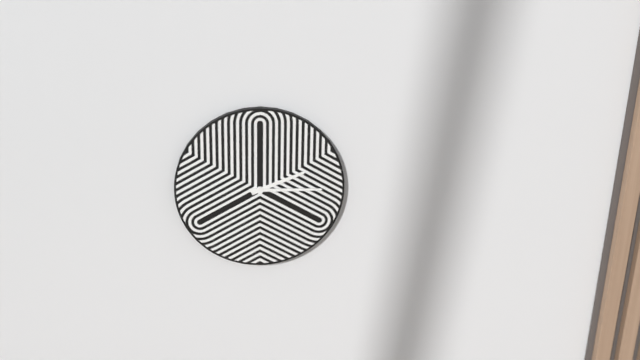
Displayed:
2.15
